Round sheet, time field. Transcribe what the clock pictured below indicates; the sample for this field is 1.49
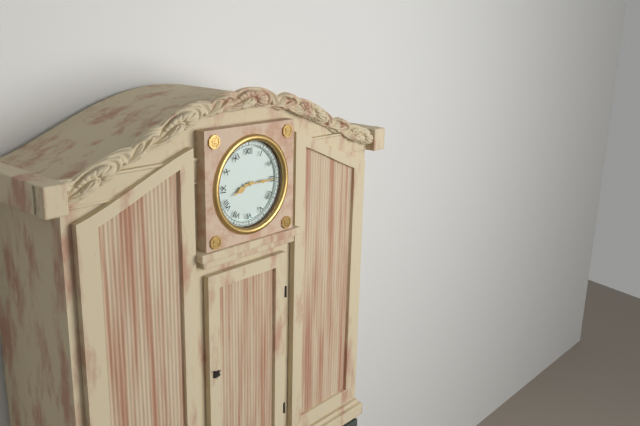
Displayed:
8.15
